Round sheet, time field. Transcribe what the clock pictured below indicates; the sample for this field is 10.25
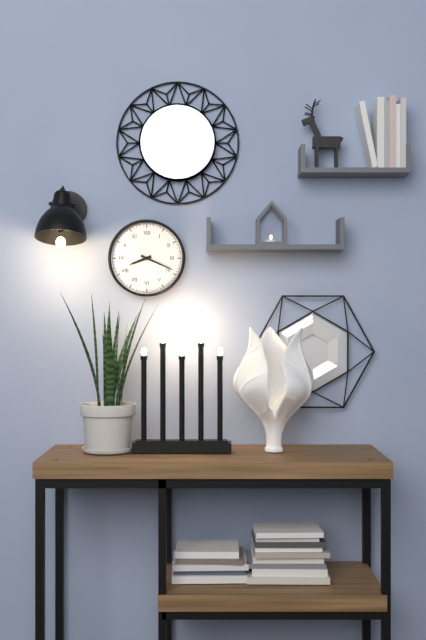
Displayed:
8.19
